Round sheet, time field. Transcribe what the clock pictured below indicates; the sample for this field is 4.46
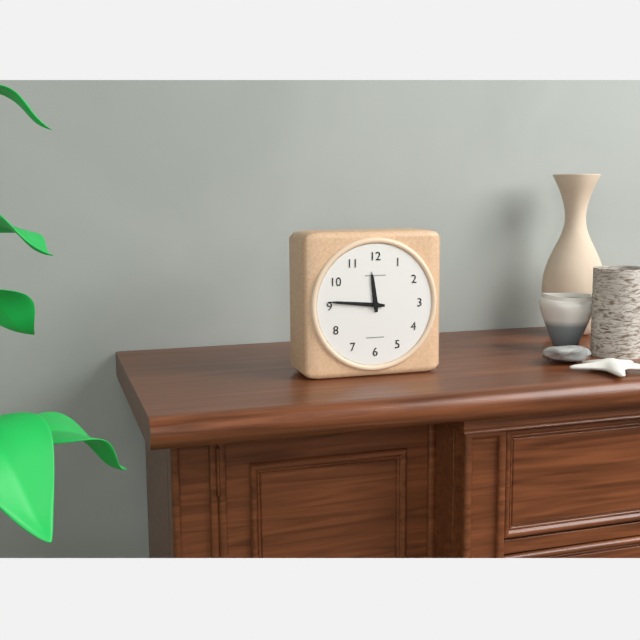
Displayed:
11.46
